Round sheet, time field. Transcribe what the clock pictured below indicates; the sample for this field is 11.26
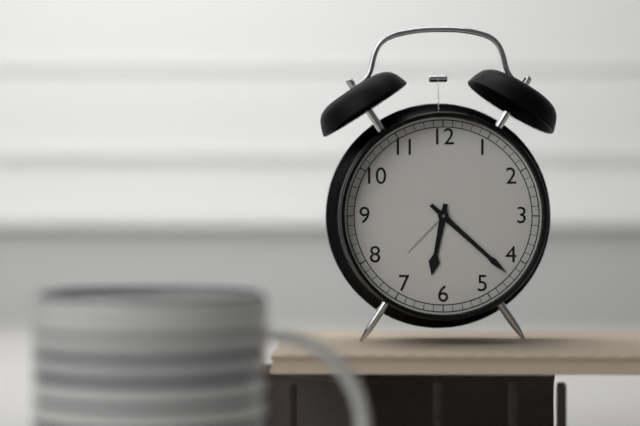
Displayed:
6.22
